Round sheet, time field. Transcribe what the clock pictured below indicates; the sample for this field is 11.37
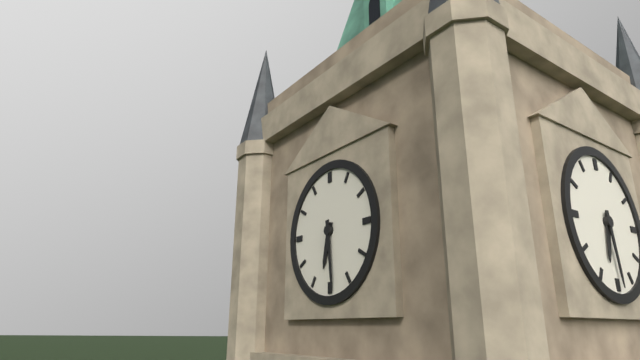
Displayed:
6.29
